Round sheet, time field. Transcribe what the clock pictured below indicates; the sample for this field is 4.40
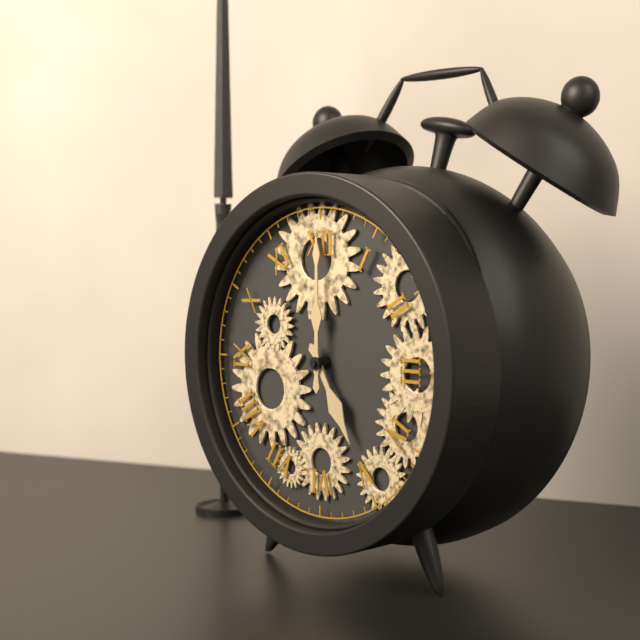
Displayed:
5.00
